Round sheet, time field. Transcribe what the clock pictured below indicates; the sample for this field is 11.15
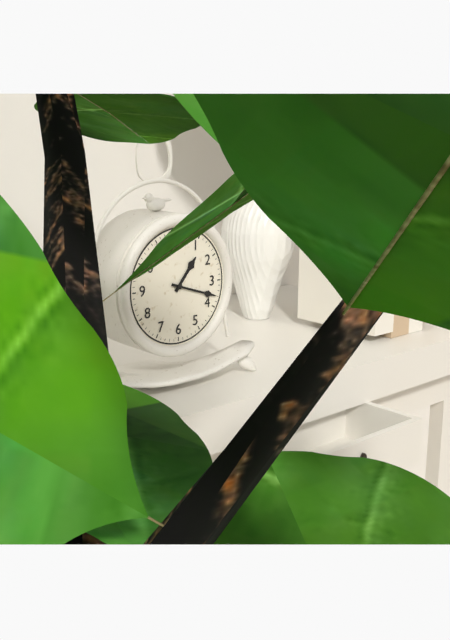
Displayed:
1.18
